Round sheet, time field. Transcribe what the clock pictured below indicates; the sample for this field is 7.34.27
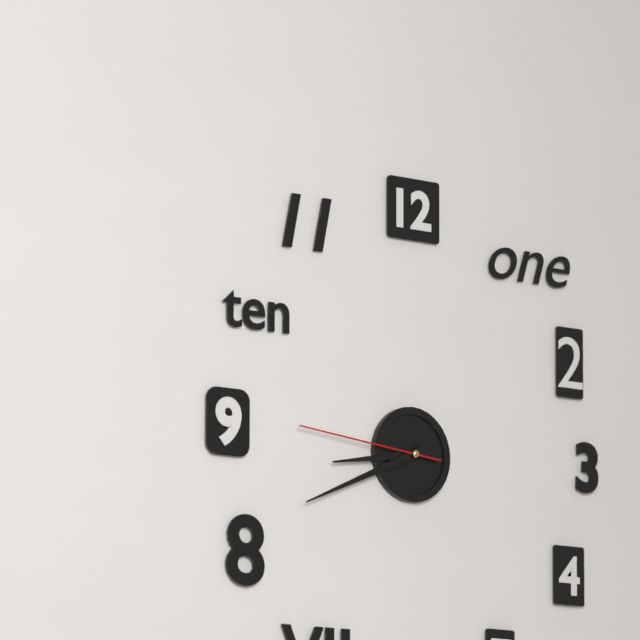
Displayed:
8.41.46
